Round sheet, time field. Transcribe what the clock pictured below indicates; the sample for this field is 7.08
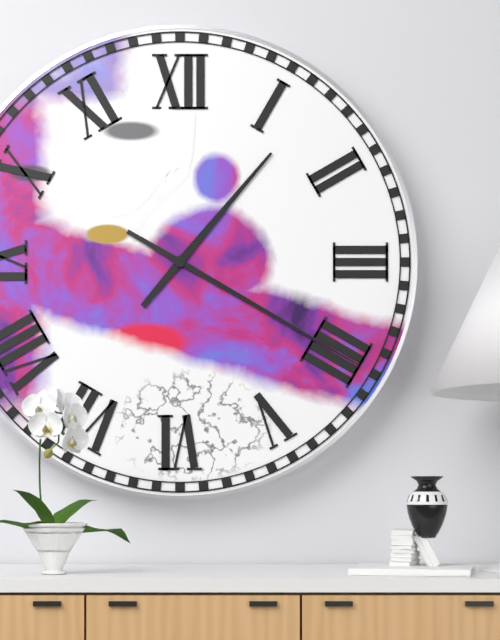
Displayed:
1.20
